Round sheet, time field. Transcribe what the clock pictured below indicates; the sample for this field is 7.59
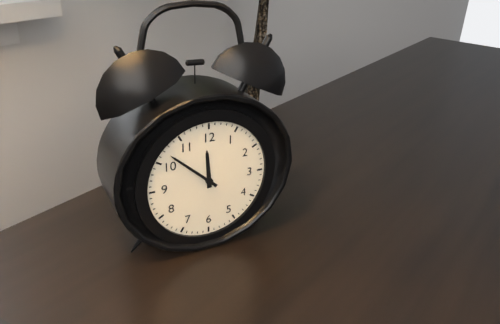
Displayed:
11.52
